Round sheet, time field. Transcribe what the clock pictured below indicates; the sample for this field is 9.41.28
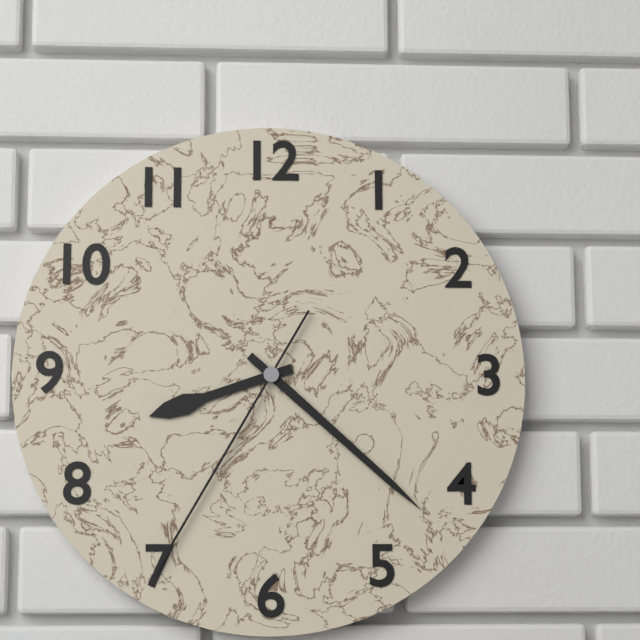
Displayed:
8.22.35
